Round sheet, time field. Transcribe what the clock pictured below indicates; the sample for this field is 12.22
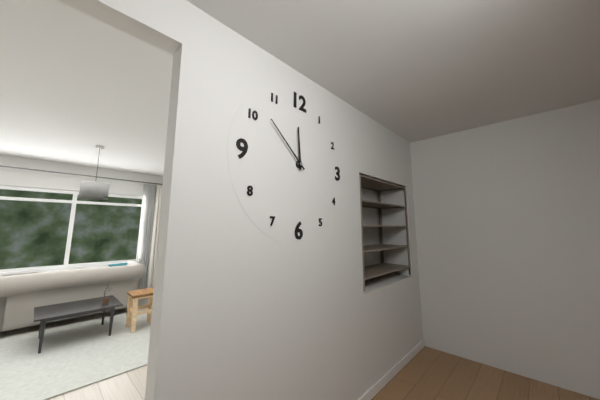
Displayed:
11.52
